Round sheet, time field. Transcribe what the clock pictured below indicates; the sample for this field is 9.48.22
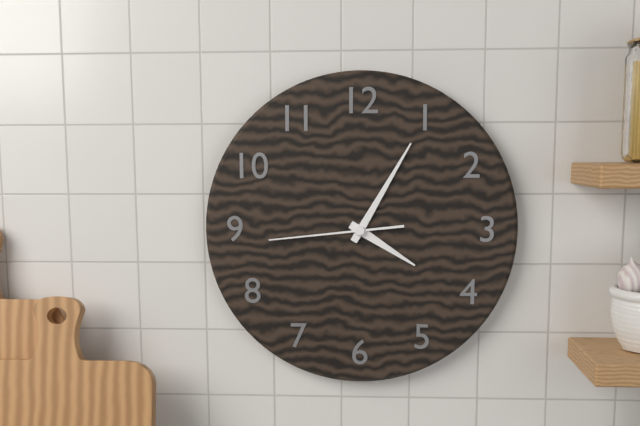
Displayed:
4.05.44
